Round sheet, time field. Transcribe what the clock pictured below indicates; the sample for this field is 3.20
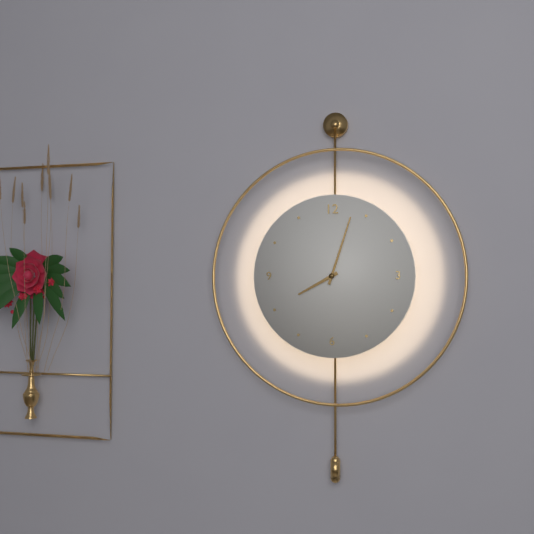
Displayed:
8.03
